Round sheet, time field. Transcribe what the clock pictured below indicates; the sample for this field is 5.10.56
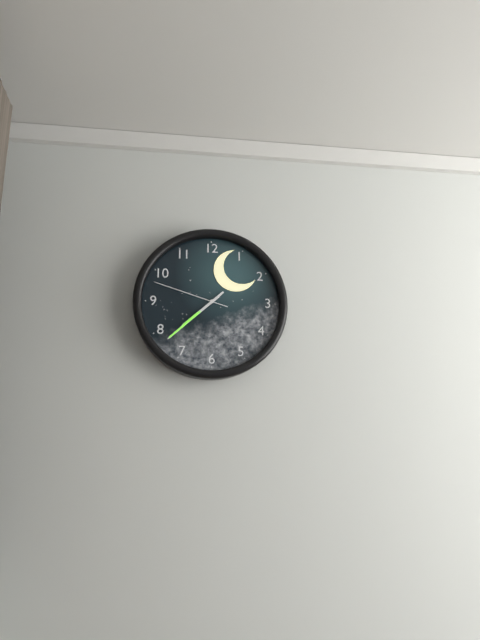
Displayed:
7.38.48
